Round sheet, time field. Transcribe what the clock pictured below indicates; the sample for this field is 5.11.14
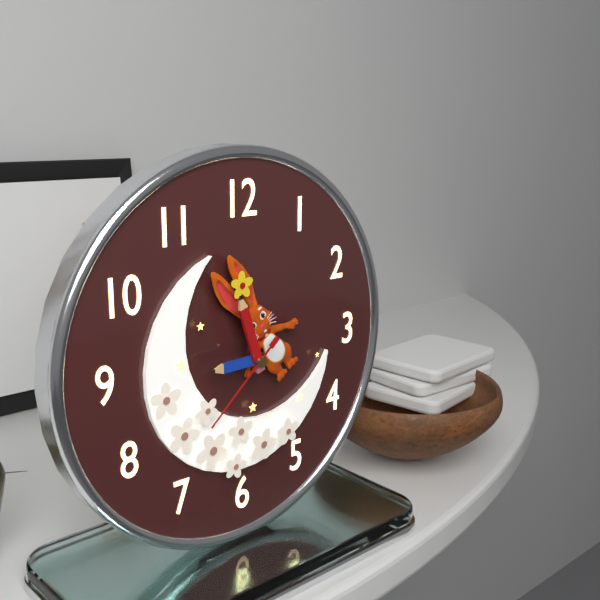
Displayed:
8.57.38
